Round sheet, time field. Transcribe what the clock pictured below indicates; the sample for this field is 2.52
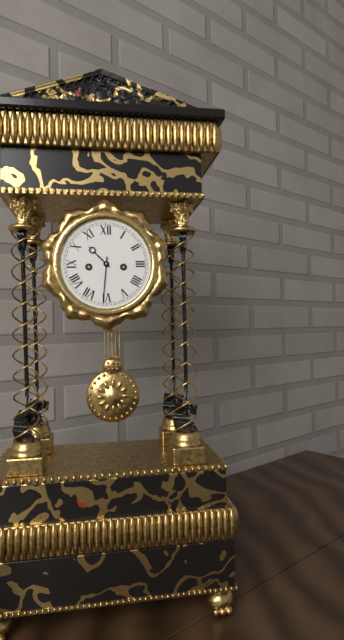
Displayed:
10.31
